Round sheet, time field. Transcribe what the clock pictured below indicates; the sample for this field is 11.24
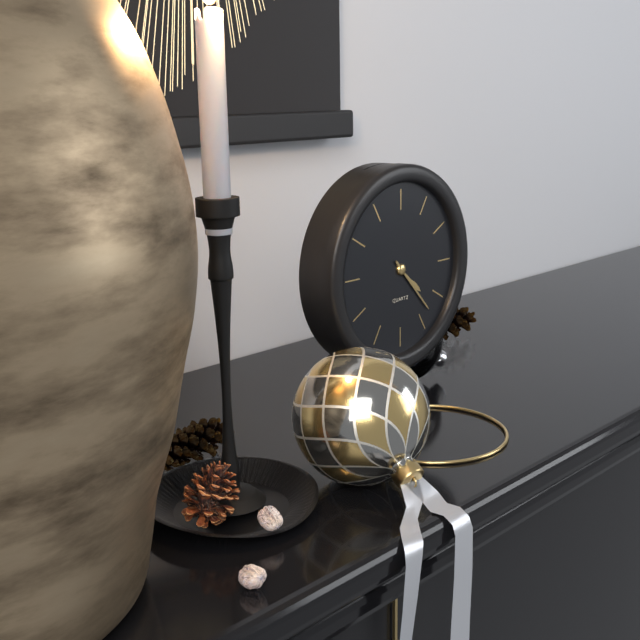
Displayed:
4.23
